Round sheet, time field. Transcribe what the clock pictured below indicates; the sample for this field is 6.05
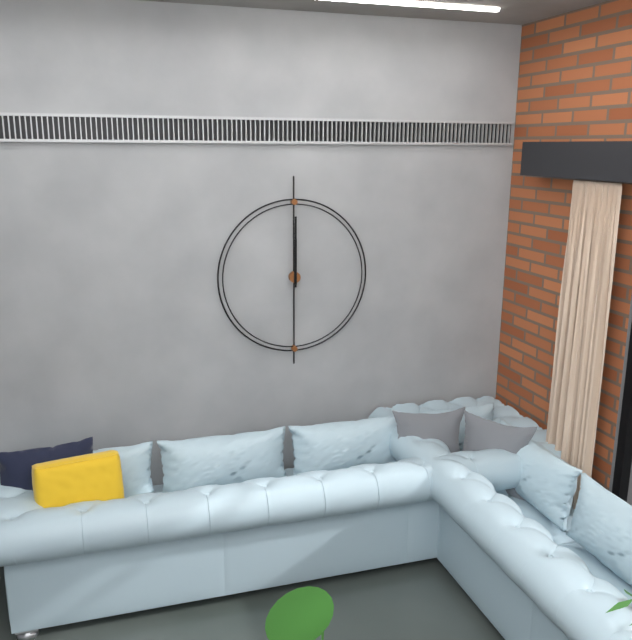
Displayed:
12.00
